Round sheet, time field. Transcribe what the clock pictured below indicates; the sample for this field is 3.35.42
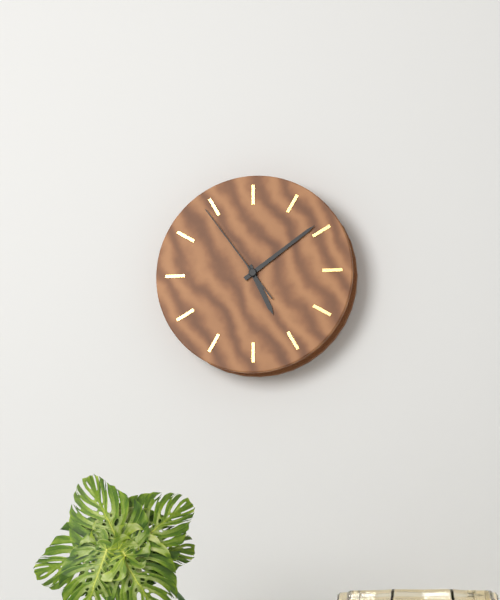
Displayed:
5.09.54
